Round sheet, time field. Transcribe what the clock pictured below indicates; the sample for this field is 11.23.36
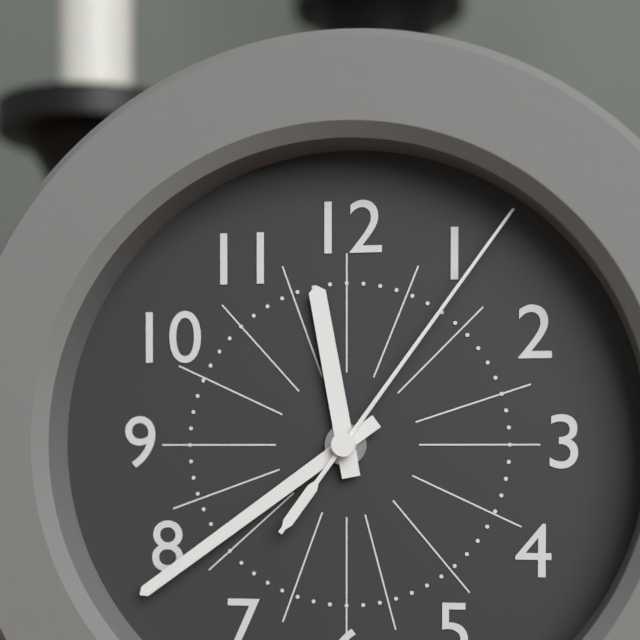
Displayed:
11.39.06
